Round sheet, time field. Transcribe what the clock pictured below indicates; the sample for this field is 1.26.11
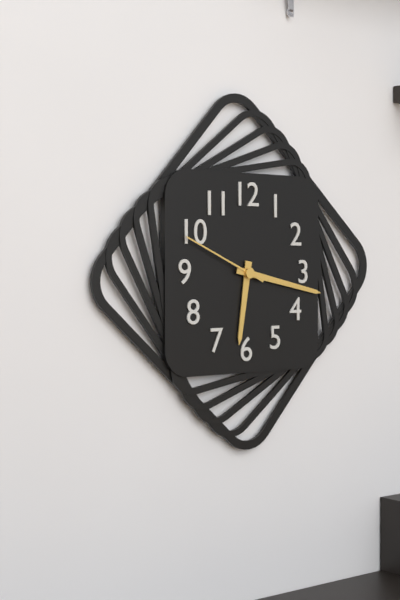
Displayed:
6.17.49
